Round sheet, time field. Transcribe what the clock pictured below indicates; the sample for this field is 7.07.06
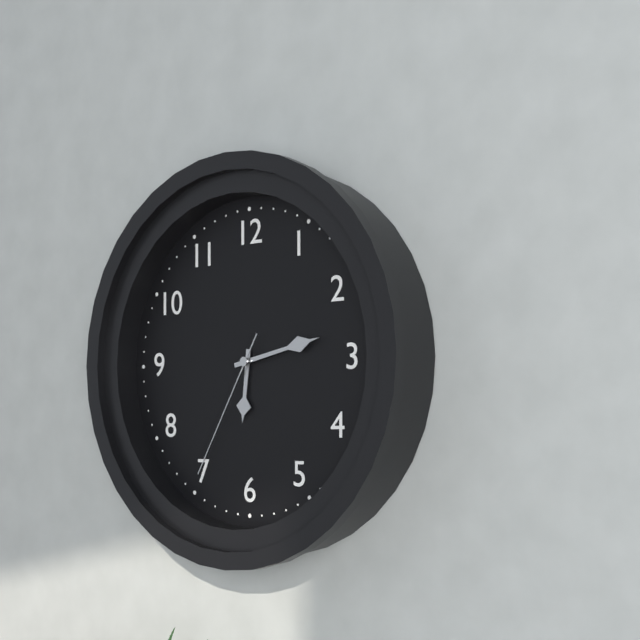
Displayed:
6.13.35
